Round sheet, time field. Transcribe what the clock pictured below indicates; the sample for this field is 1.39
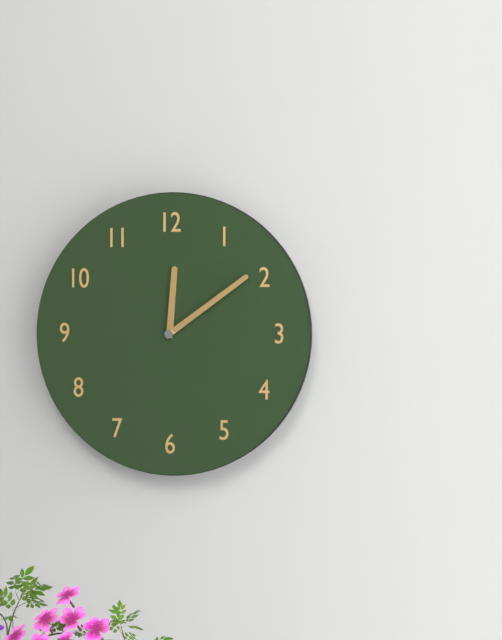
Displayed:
12.09
